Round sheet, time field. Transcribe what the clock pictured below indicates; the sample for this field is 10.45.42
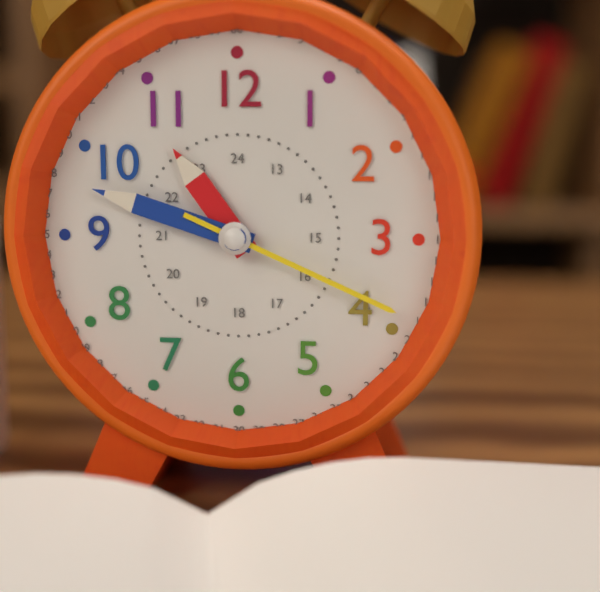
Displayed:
10.48.19
